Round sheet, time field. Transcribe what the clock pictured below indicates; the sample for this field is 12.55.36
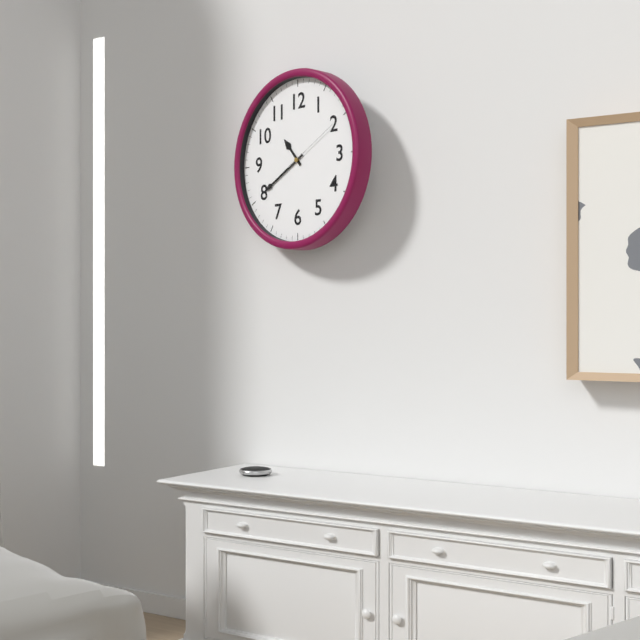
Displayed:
10.40.10
